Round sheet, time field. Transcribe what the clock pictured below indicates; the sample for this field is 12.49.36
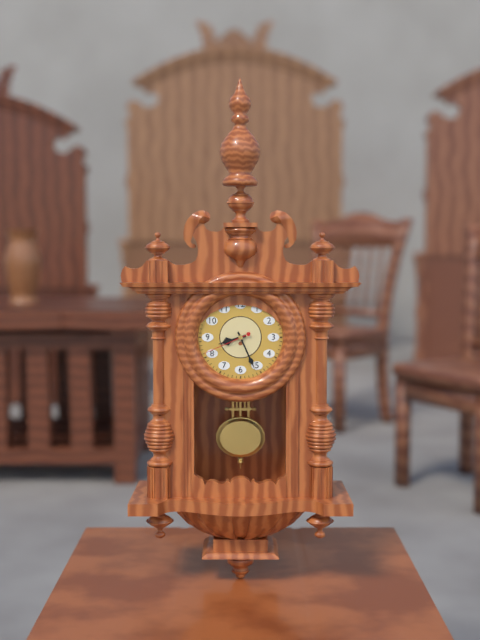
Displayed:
8.26.41
